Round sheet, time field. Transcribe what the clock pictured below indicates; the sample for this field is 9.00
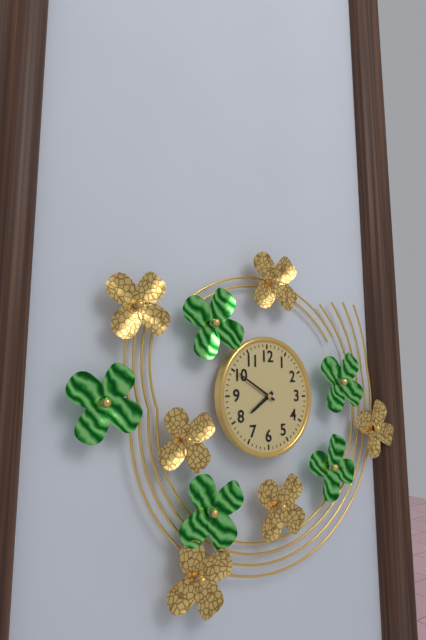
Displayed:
7.50
